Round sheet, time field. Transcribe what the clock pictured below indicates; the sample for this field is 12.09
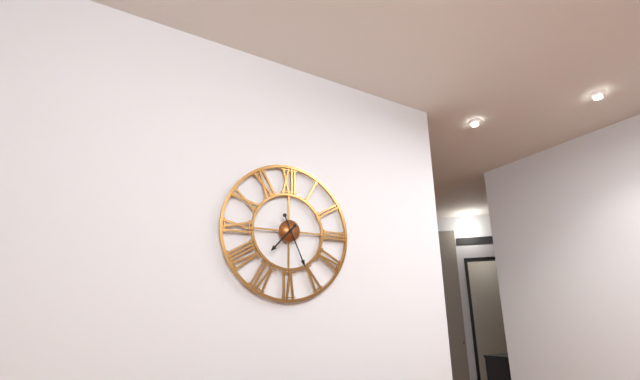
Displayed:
7.26
